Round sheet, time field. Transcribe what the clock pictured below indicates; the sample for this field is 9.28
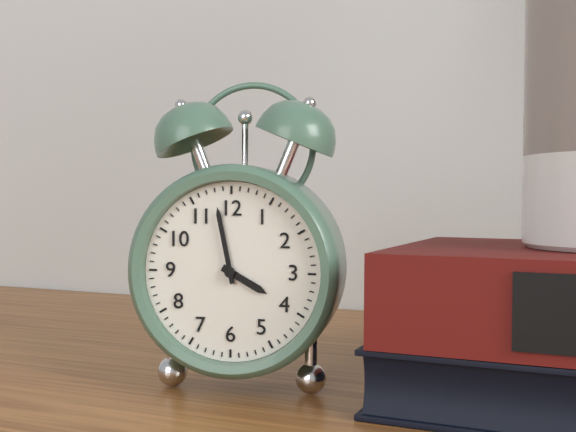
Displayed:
3.58
